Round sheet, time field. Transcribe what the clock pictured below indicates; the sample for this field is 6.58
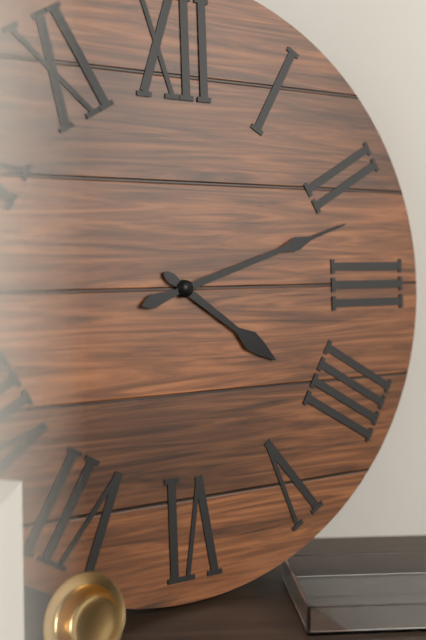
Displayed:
4.12
